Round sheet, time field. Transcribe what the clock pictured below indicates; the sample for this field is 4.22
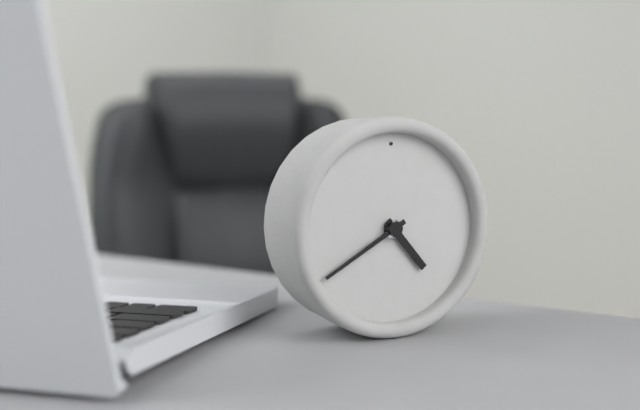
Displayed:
4.40
